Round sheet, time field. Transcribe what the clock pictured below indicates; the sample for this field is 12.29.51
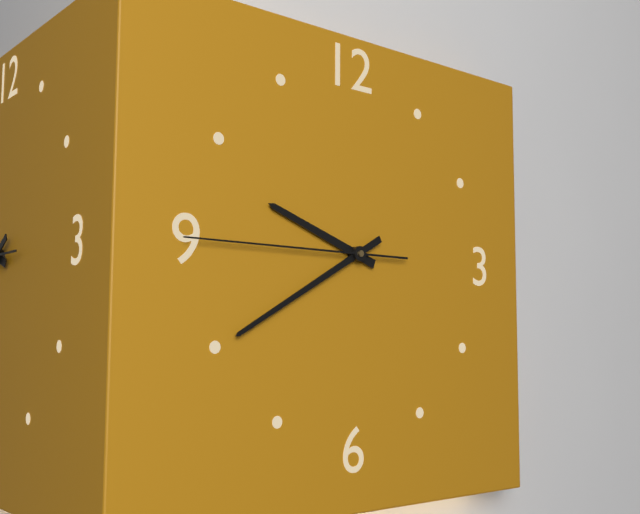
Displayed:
9.40.45
